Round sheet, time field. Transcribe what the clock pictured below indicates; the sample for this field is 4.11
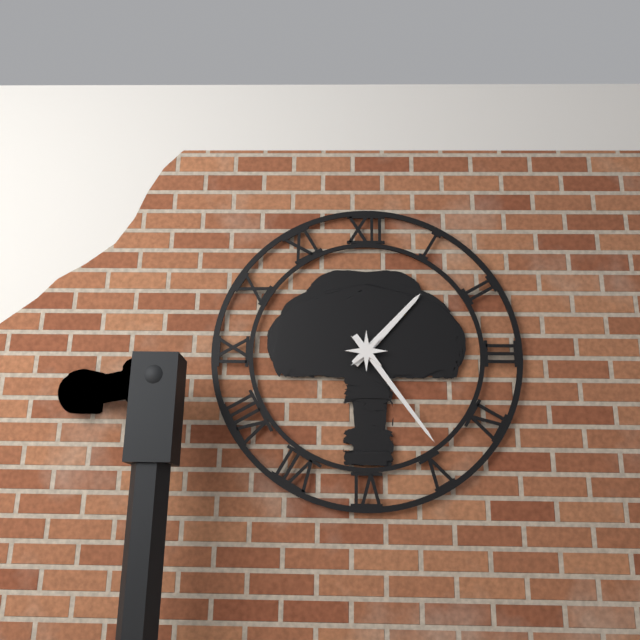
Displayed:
1.24
